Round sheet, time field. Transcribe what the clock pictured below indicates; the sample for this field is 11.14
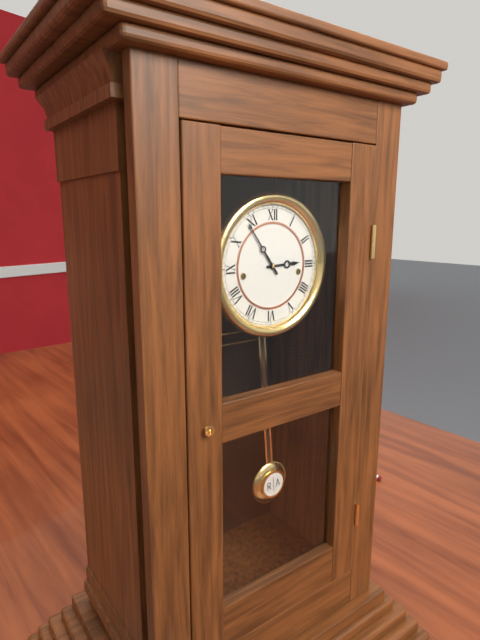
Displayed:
2.54
